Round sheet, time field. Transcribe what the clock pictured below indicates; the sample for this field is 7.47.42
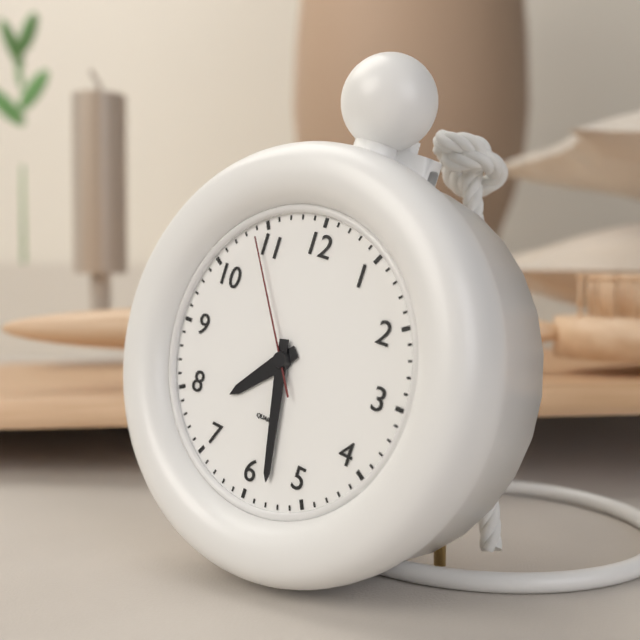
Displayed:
7.28.54
